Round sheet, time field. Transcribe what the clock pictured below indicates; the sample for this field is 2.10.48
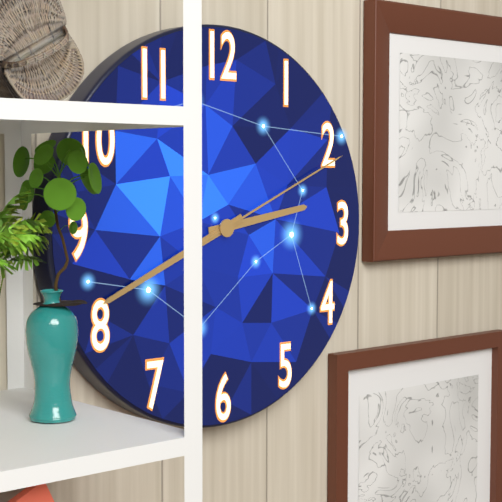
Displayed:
2.41.11
